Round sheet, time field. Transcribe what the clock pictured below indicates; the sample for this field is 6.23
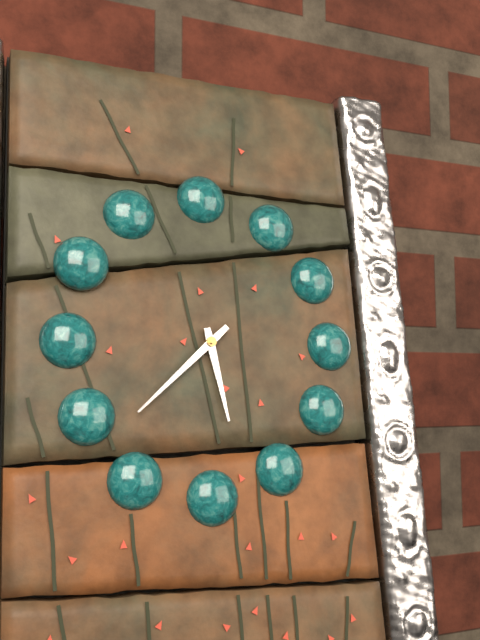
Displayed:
5.38
